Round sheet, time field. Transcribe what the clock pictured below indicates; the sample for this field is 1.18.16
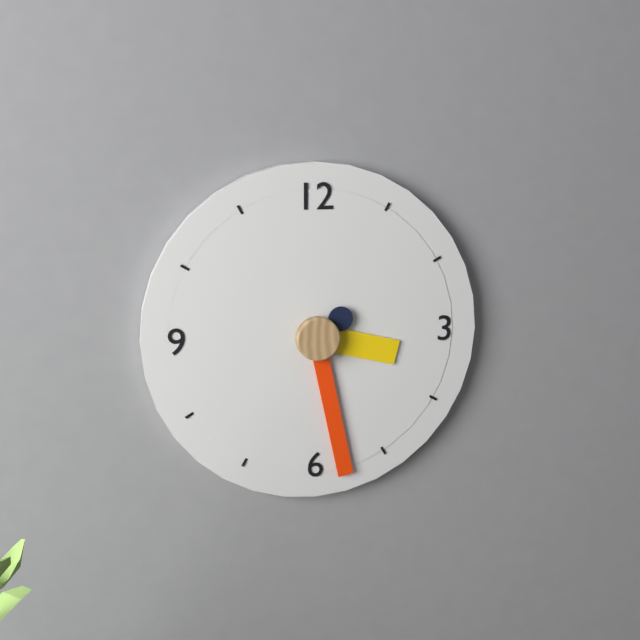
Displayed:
3.28.09
